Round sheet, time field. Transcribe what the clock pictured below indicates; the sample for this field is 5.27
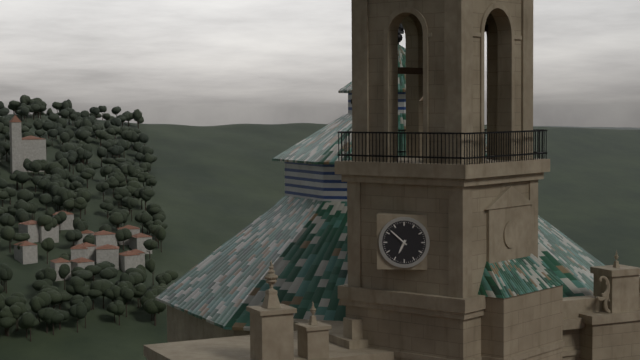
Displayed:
6.52
